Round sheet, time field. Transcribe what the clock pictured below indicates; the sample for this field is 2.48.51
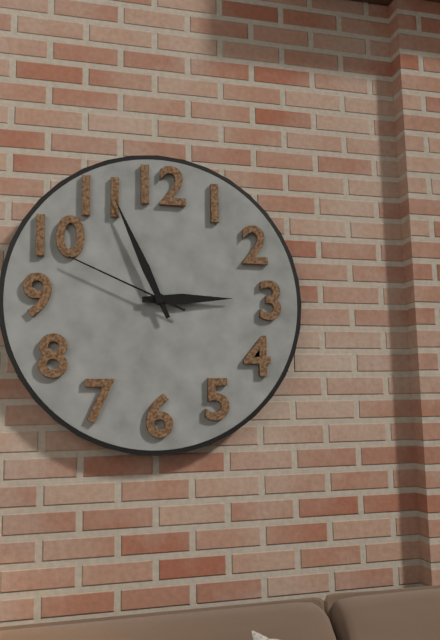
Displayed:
2.56.49
